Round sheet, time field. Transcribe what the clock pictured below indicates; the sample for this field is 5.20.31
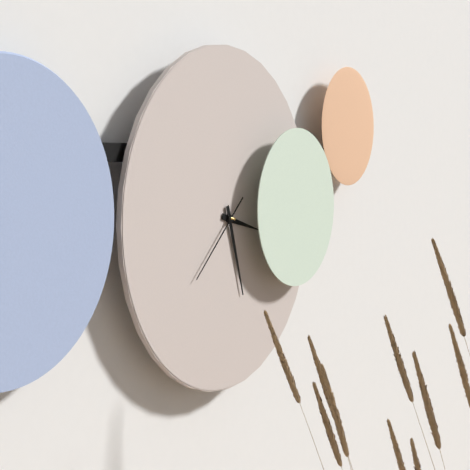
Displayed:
3.27.38
